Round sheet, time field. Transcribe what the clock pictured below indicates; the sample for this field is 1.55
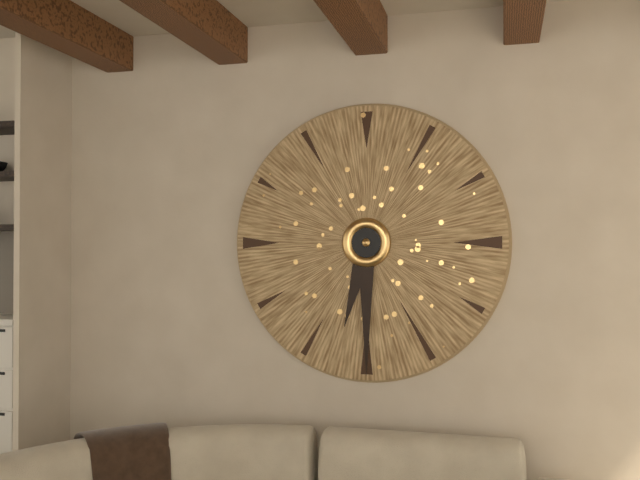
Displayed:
6.30
